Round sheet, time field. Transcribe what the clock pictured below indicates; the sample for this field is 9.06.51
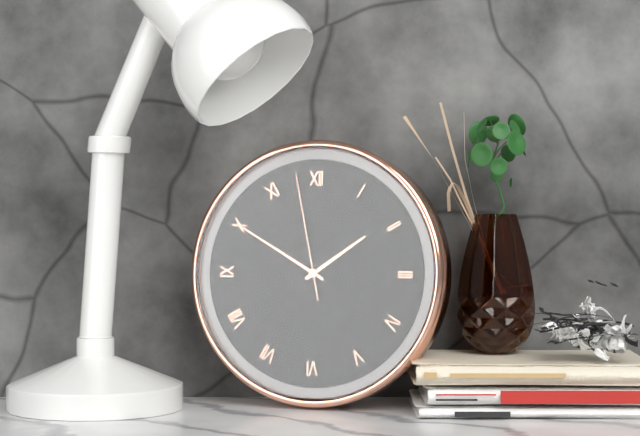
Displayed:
1.50.58
